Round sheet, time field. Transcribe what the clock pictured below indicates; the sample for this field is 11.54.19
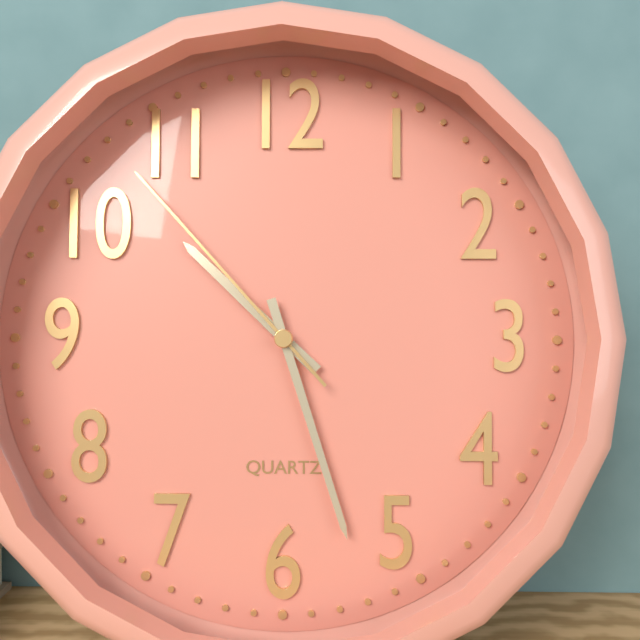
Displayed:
10.27.53
